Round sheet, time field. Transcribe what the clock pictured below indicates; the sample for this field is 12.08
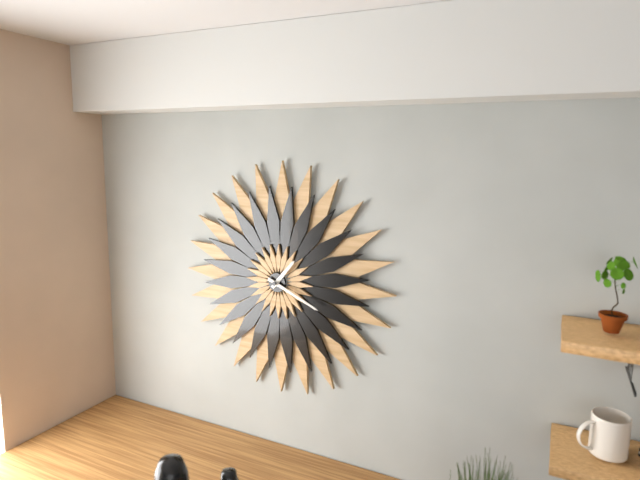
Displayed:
1.19
